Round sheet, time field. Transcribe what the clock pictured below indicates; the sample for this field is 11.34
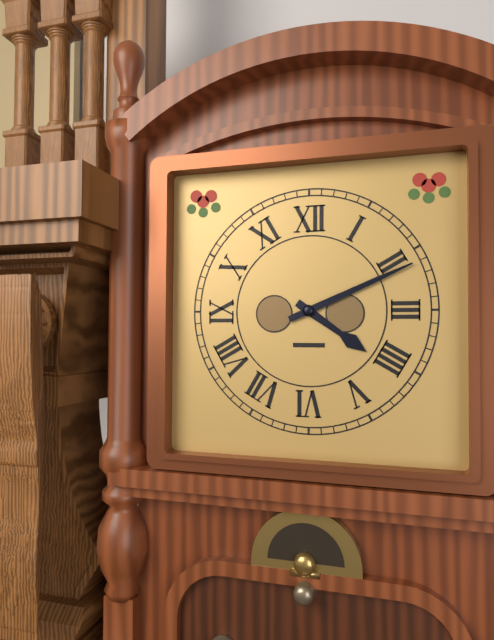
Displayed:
4.11
